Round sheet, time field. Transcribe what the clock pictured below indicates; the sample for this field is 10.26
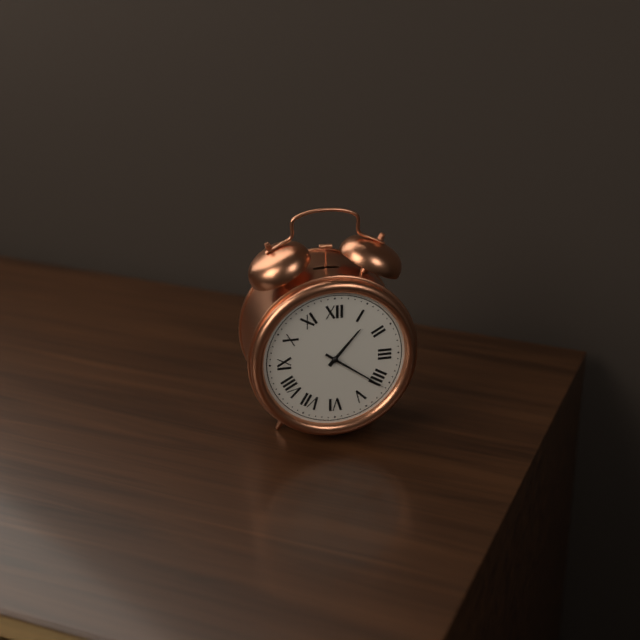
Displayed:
1.21
